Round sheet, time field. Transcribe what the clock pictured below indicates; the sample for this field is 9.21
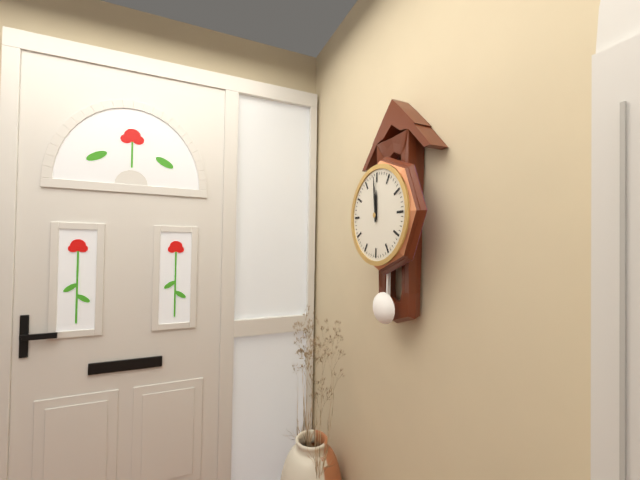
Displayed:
11.59
